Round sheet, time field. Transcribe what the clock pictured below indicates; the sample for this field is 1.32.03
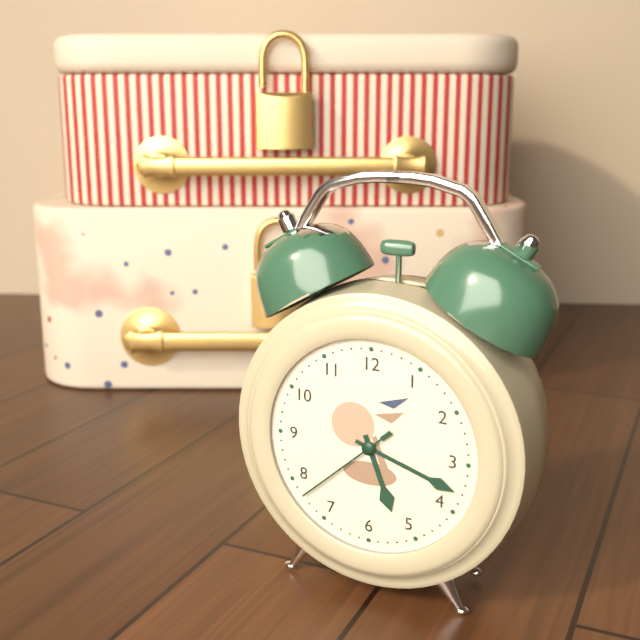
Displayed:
5.18.38
